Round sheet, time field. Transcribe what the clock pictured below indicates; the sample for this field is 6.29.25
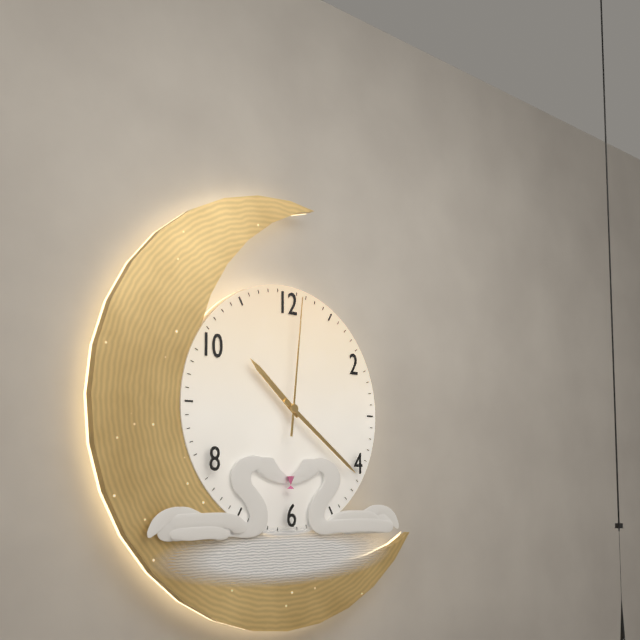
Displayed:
10.21.01
